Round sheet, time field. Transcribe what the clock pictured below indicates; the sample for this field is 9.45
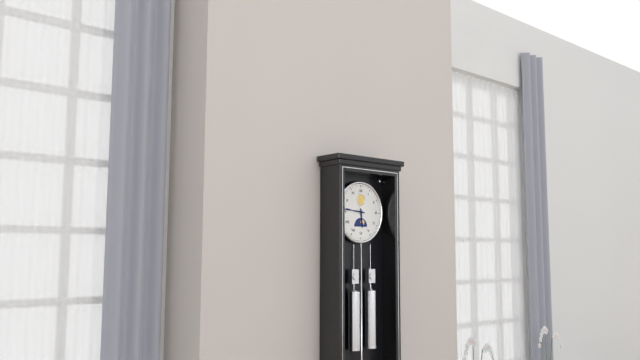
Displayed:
5.46
